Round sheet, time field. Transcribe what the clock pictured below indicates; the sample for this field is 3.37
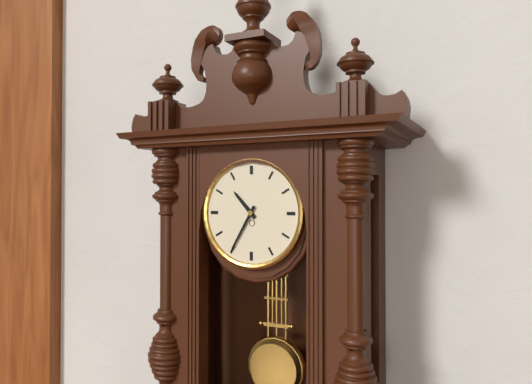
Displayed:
10.35
